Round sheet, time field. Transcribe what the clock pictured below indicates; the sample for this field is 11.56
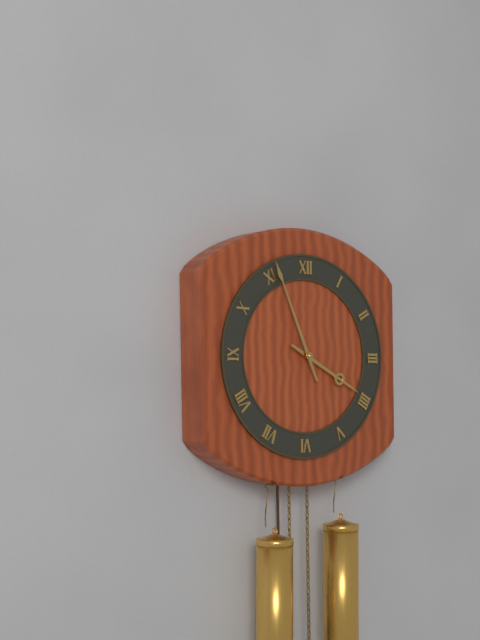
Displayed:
3.56
